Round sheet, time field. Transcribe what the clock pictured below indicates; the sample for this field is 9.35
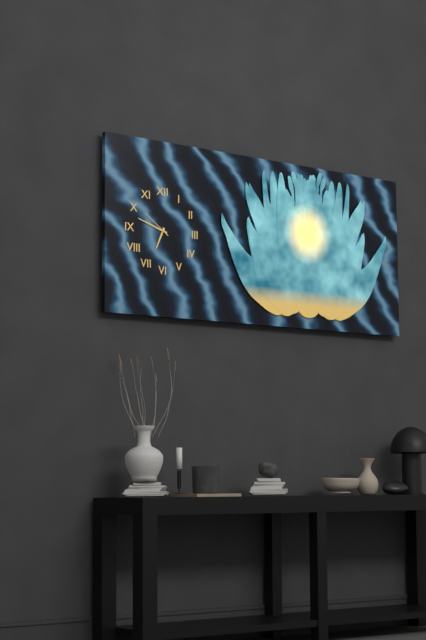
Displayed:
6.48
